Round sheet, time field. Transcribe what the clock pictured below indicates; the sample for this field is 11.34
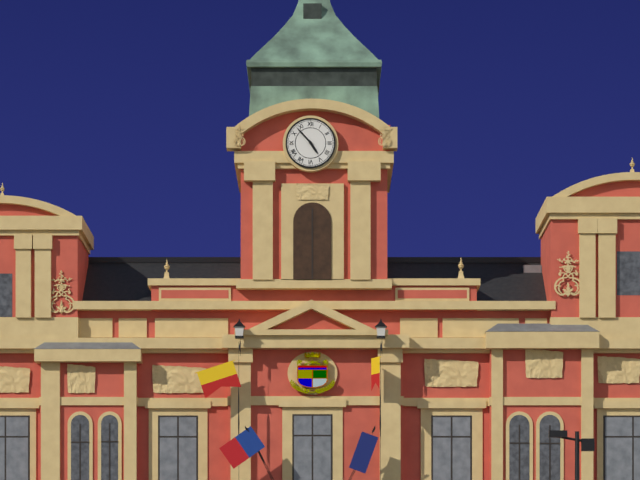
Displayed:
4.53
